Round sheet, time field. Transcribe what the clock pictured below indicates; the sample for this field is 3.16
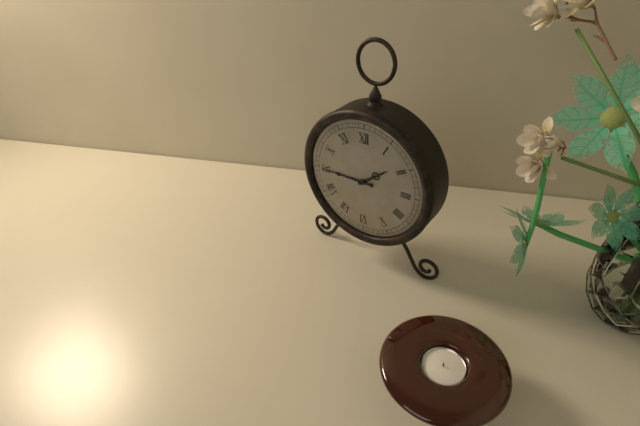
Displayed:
1.45
